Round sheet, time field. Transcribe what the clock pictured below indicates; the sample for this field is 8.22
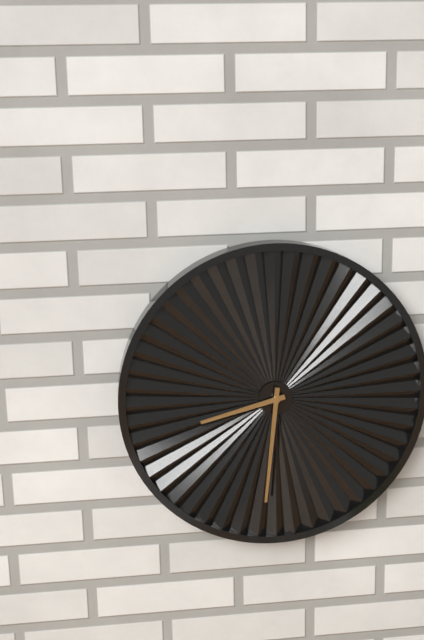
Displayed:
8.31
